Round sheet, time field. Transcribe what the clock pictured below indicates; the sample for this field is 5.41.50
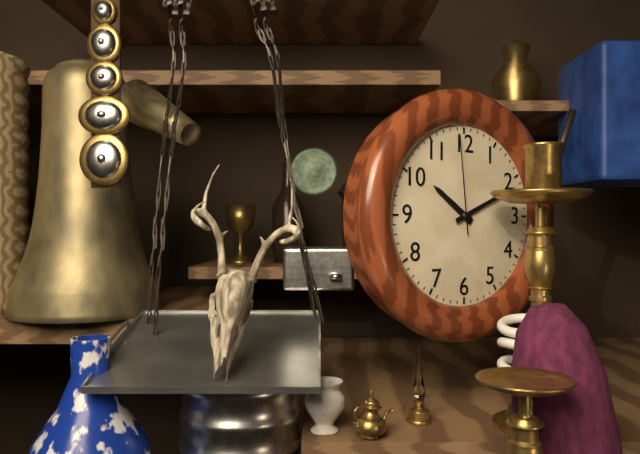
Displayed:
10.11.59
